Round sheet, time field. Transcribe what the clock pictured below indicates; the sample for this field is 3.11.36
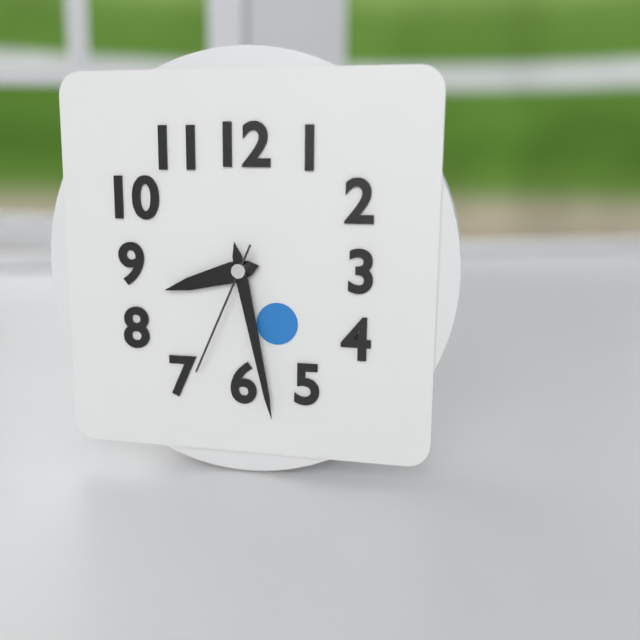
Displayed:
8.28.34
